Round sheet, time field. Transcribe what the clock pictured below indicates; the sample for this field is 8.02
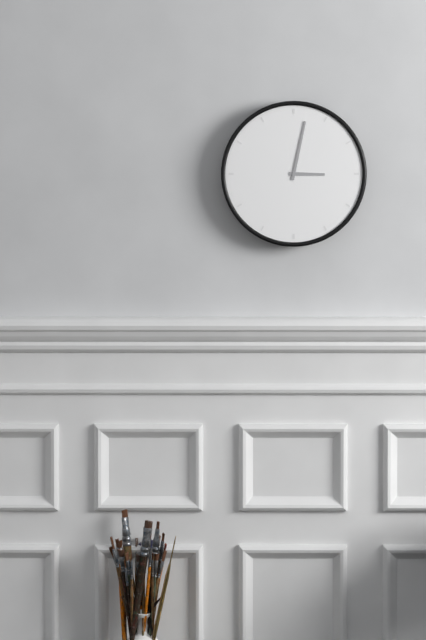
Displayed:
3.02
